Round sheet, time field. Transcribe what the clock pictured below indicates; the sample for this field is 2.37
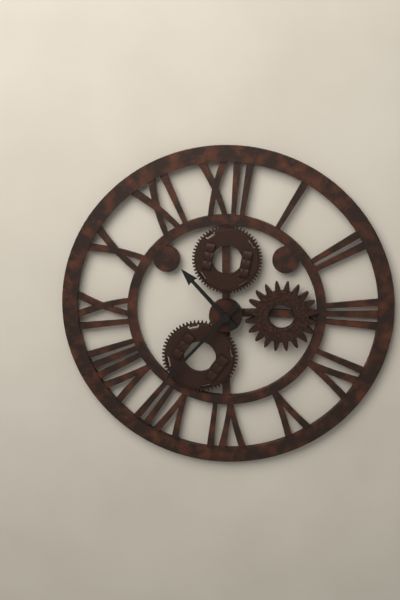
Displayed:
10.37
